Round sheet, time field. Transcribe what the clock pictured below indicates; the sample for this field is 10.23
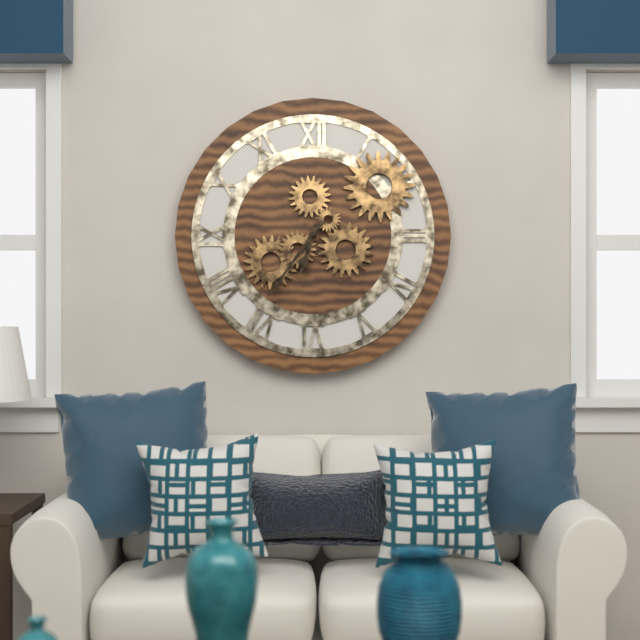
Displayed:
6.36
